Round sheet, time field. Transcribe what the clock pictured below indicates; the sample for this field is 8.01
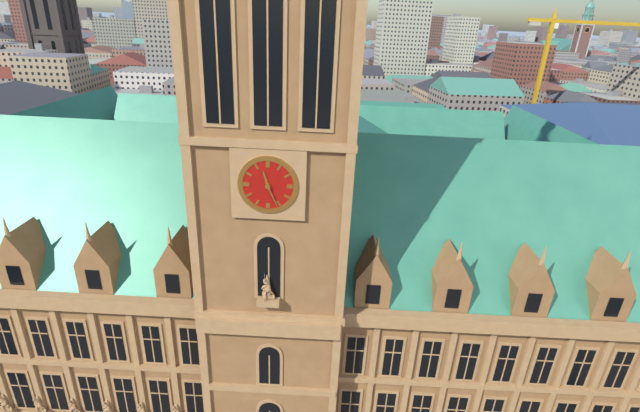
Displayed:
11.26
